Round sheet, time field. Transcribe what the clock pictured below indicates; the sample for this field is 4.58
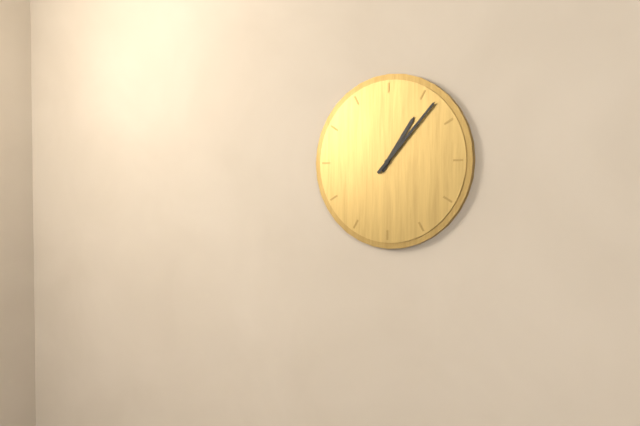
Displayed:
1.07
